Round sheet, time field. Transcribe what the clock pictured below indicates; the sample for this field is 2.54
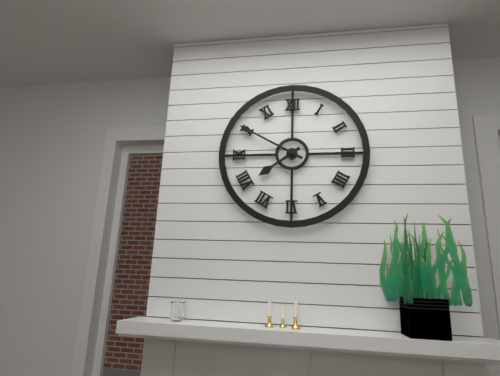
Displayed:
7.50
